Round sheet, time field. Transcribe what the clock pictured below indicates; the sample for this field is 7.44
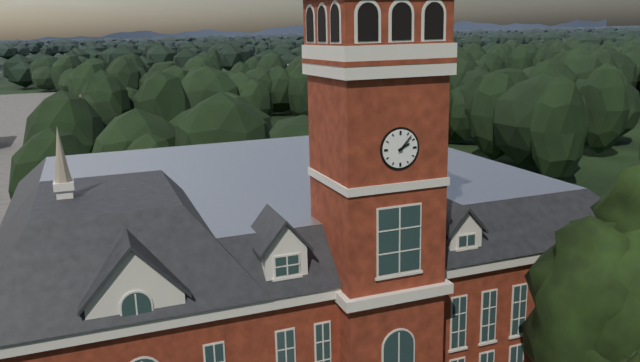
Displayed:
2.07
